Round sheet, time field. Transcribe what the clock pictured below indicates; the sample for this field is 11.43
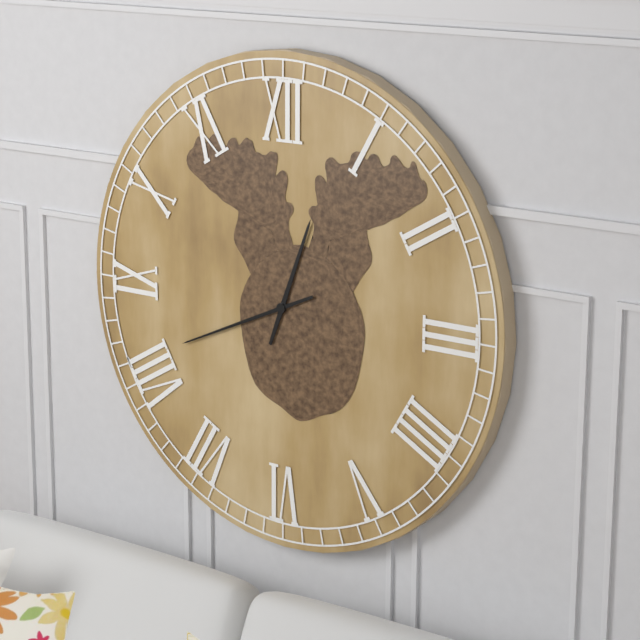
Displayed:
12.41
